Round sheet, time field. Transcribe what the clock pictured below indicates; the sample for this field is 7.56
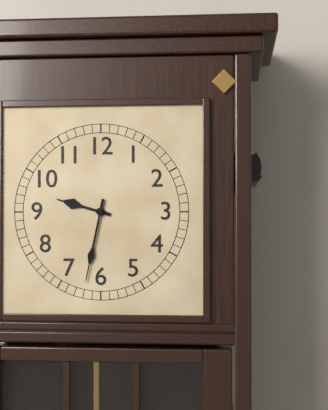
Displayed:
9.32
